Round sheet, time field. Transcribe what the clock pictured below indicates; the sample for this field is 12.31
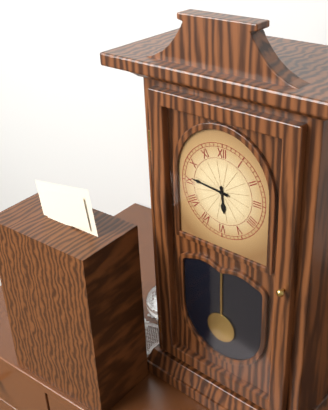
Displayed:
5.46
